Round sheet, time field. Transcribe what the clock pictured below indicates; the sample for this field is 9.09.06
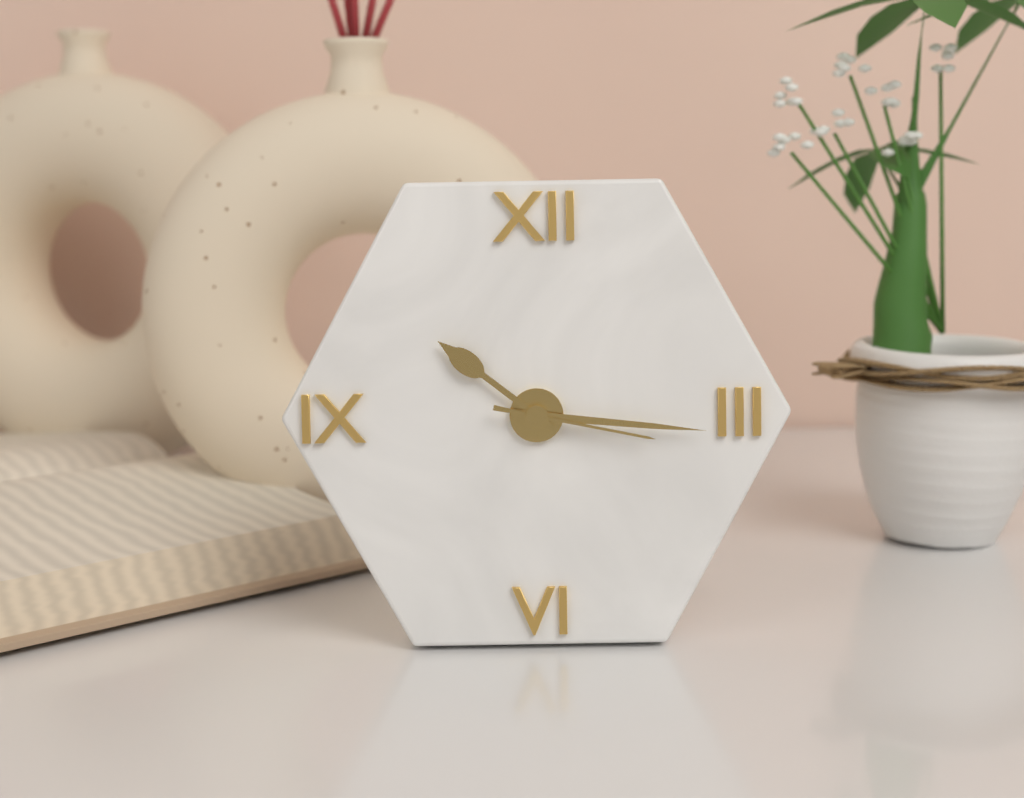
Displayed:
10.16.17
